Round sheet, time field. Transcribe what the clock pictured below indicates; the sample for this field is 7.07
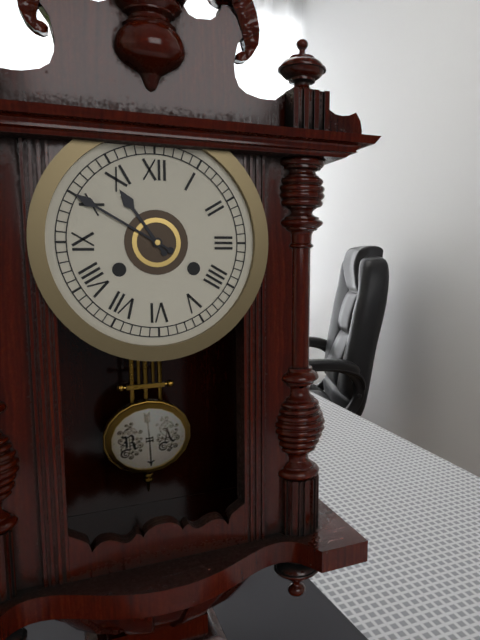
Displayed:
10.50
